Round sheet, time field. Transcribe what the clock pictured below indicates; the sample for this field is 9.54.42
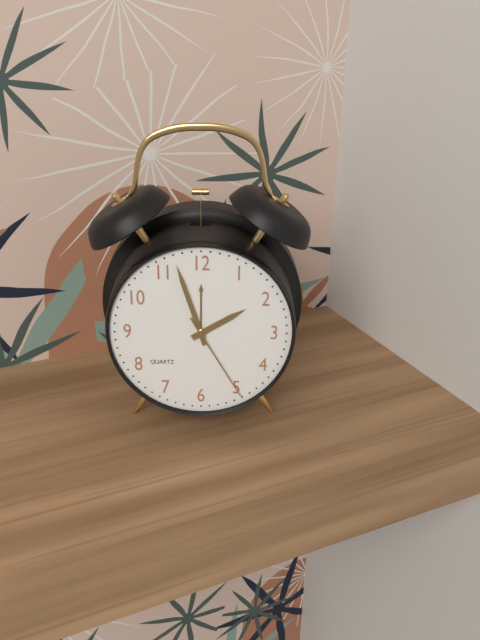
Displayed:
1.57.25
